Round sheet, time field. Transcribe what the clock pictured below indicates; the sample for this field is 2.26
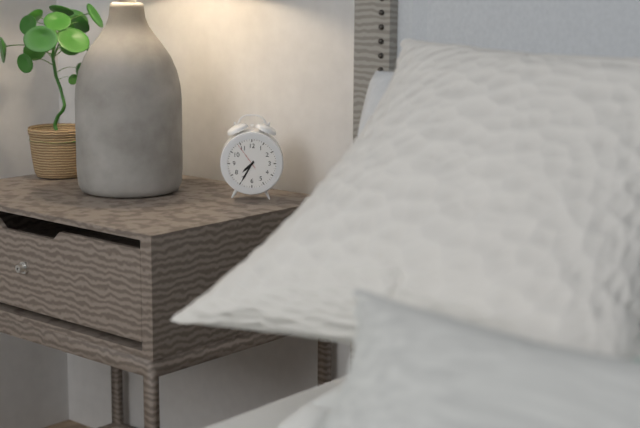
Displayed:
7.35
